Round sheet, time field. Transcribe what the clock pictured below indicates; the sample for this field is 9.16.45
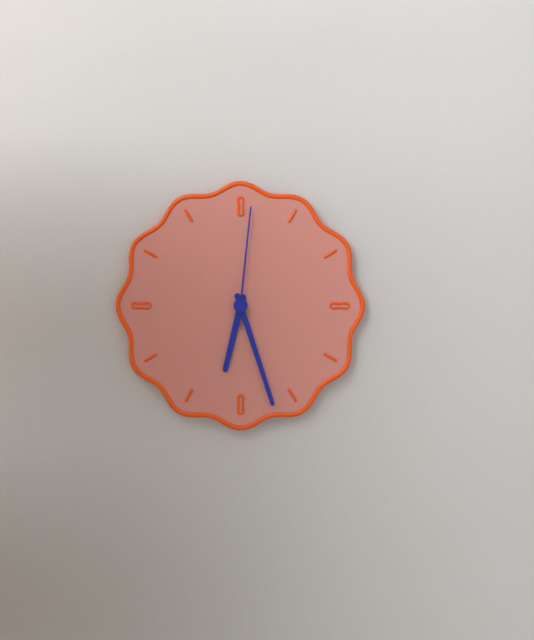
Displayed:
6.27.01
